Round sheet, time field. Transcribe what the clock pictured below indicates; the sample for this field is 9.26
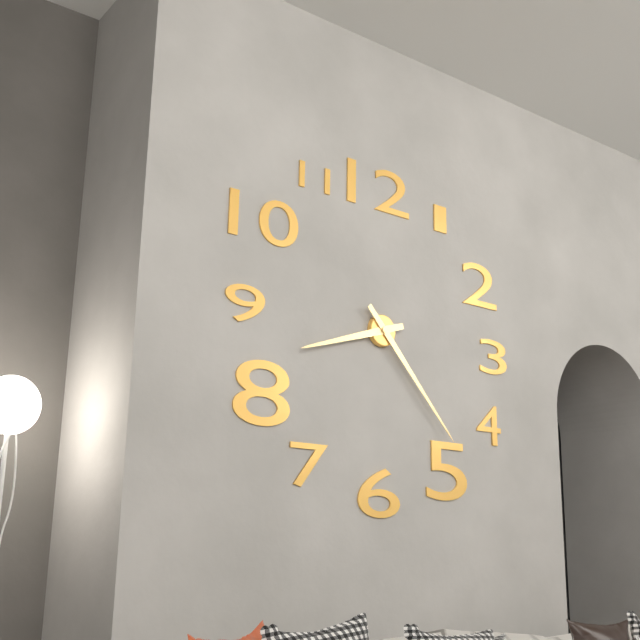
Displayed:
8.23
